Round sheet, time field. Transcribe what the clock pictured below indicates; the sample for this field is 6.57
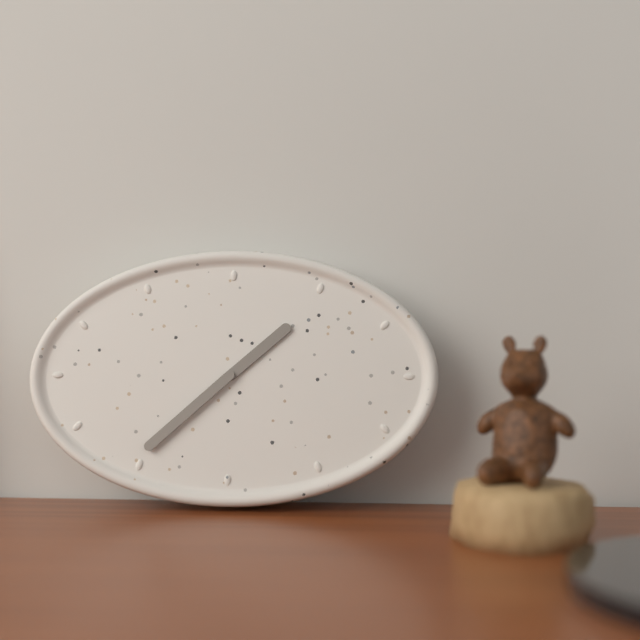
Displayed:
1.38
